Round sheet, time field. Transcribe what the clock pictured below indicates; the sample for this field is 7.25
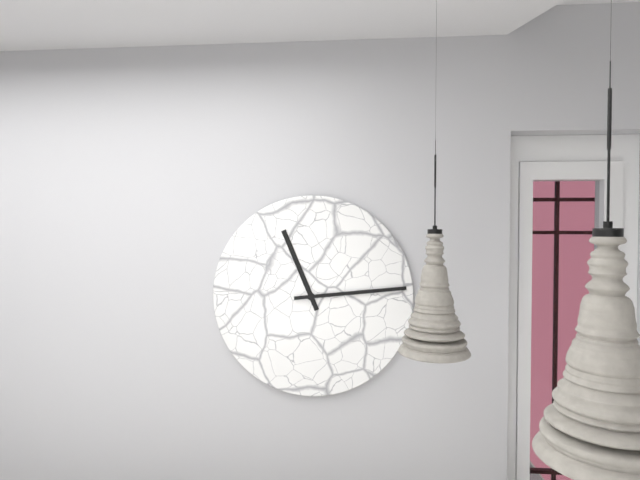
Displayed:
11.14
